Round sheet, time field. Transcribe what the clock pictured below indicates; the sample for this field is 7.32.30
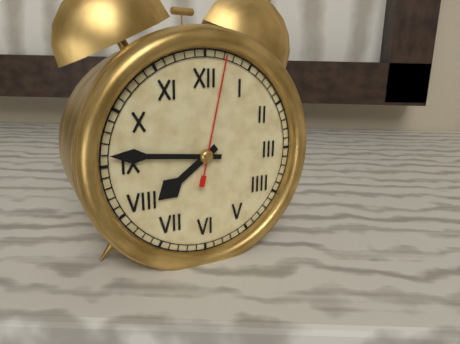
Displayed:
7.46.02
